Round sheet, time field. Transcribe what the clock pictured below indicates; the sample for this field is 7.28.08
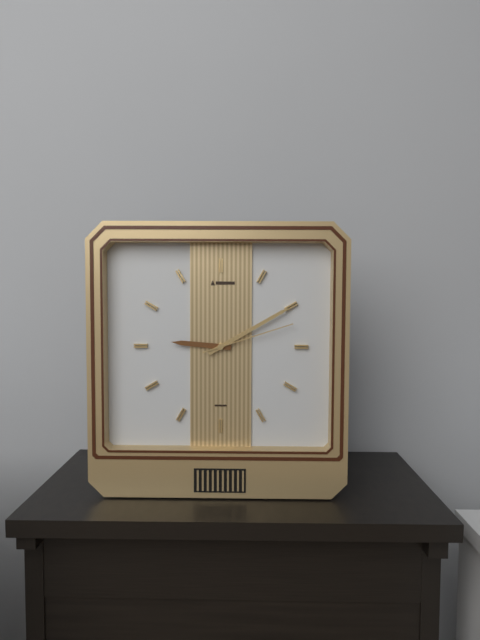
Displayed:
9.10.12
